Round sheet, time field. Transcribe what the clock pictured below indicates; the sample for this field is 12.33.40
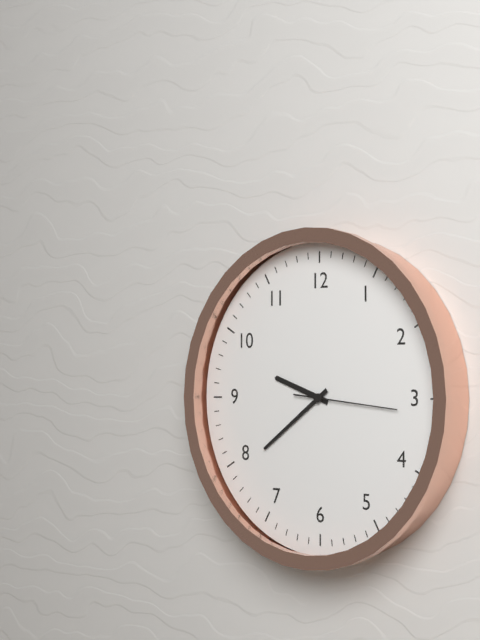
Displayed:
9.39.16
